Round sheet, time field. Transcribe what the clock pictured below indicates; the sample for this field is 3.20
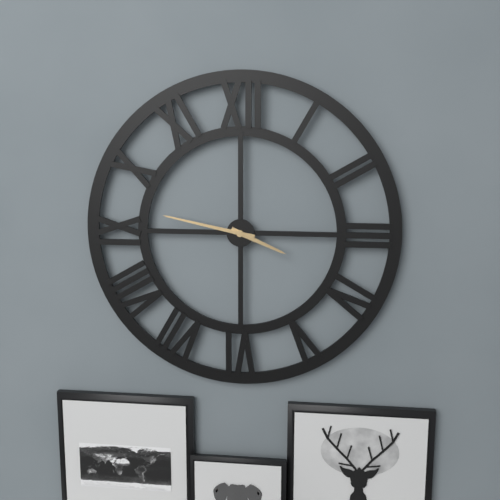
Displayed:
3.47
